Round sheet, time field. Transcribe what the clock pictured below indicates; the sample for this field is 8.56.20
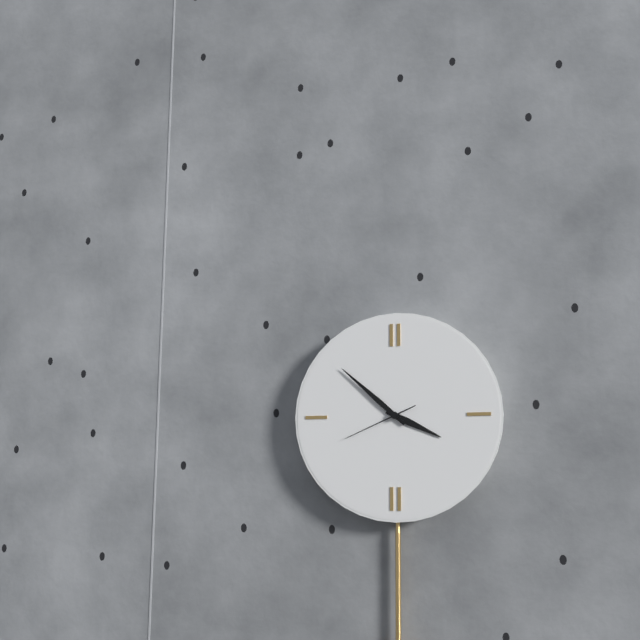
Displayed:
3.52.41
